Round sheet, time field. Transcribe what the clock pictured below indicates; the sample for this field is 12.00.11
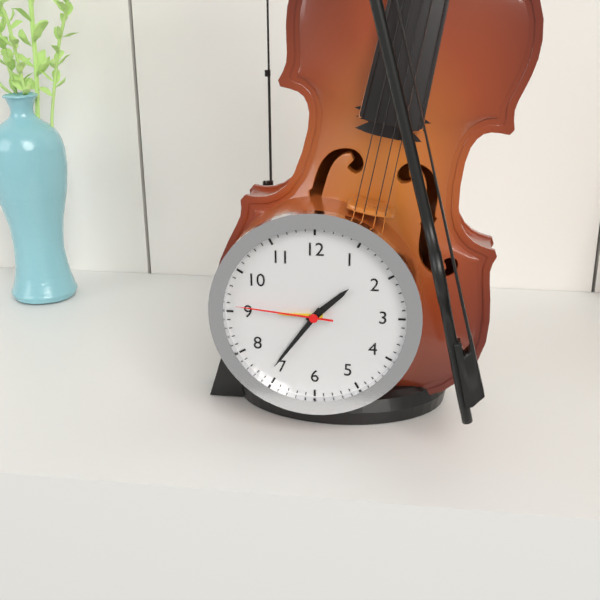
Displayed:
1.36.46
